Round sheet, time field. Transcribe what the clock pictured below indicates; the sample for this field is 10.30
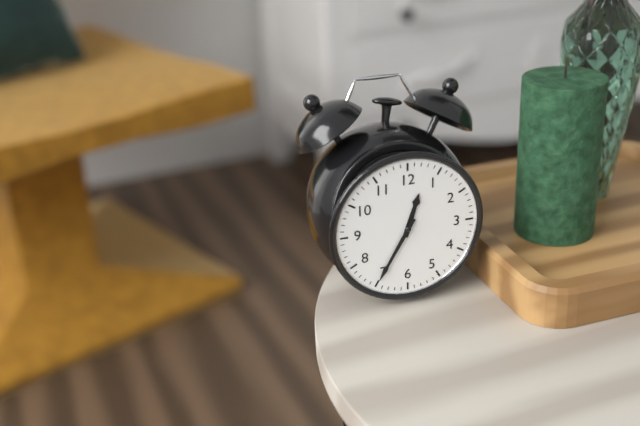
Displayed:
12.35
